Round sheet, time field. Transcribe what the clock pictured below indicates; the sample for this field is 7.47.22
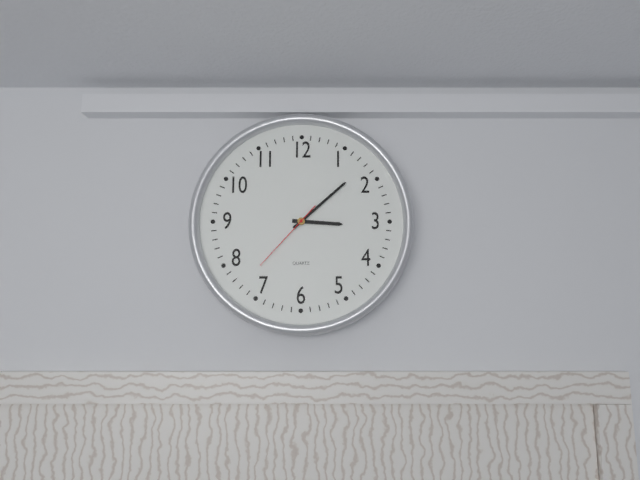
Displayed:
3.08.37
